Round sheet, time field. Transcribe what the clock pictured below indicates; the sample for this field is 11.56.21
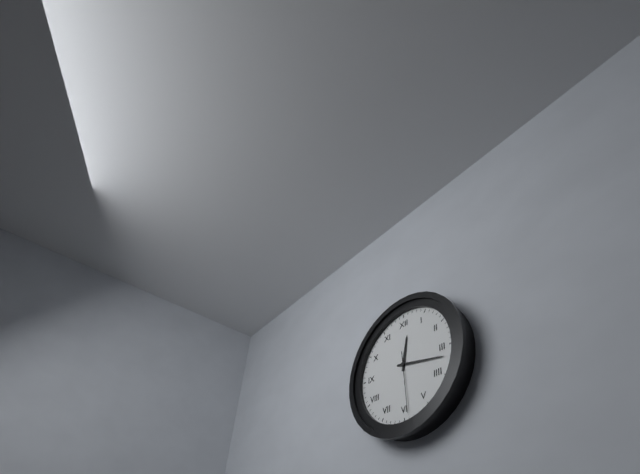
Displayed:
12.17.29
